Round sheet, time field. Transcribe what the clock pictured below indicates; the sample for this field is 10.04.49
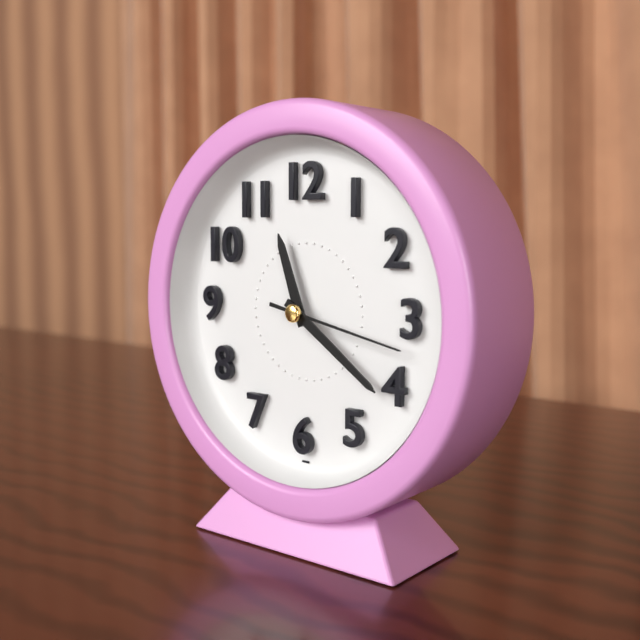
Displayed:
11.21.17
